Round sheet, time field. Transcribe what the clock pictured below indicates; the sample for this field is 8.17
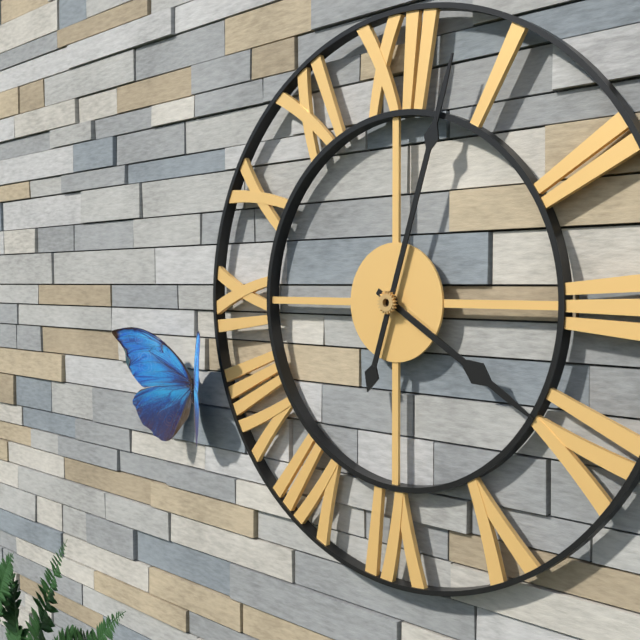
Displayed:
4.03
